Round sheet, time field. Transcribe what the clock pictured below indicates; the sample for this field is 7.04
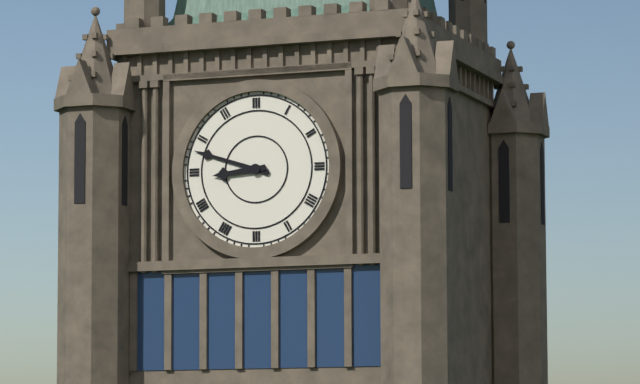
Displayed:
8.48
